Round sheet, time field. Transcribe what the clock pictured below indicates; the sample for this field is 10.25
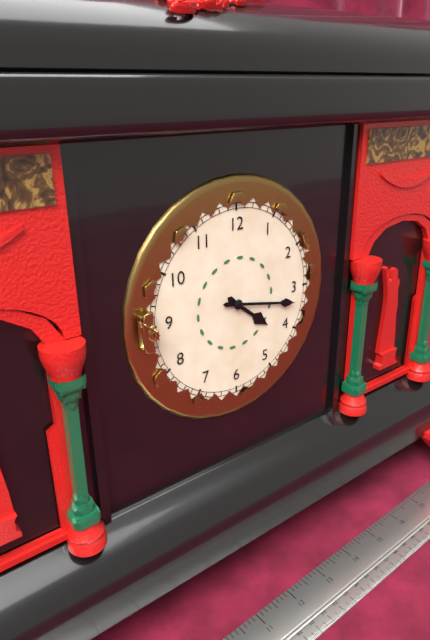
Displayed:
4.17
